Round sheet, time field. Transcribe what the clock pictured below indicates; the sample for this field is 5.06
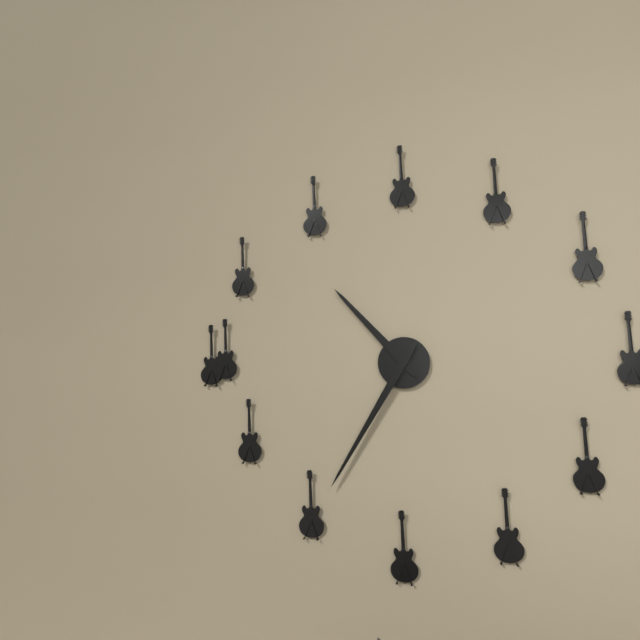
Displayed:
10.35
